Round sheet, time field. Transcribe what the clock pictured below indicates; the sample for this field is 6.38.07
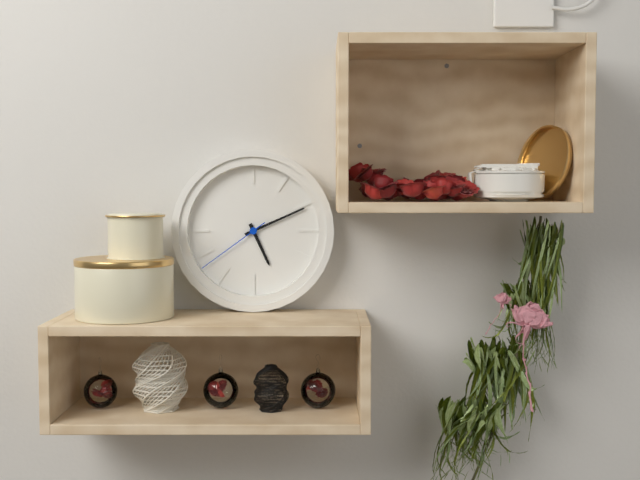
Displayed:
5.11.39
